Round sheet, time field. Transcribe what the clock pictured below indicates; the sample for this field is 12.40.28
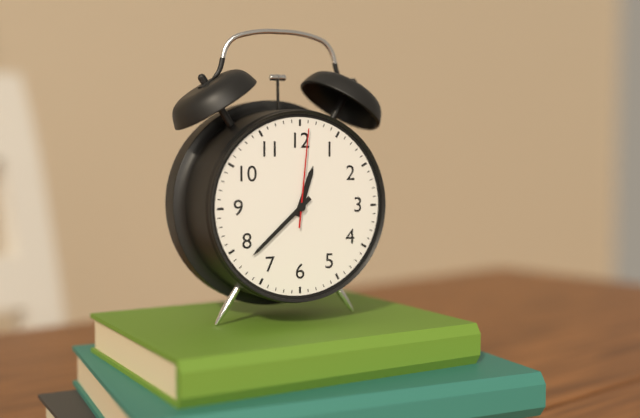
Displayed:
12.38.01
